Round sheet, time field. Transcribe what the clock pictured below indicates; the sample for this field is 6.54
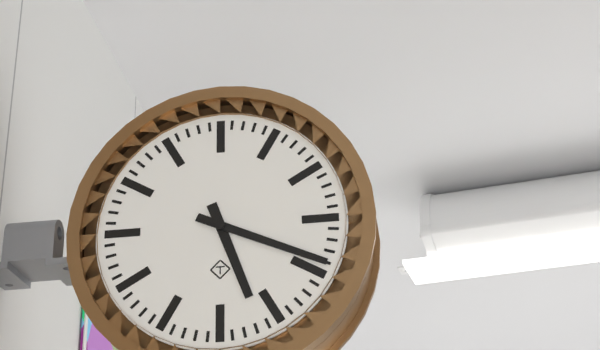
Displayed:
5.19
